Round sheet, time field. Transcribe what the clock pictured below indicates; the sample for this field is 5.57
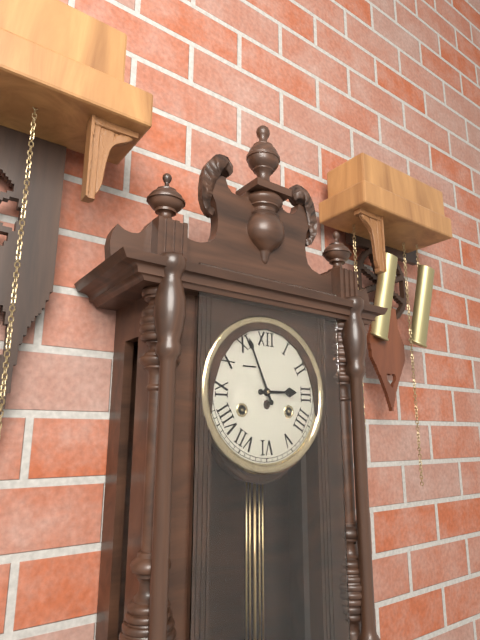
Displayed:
2.56
